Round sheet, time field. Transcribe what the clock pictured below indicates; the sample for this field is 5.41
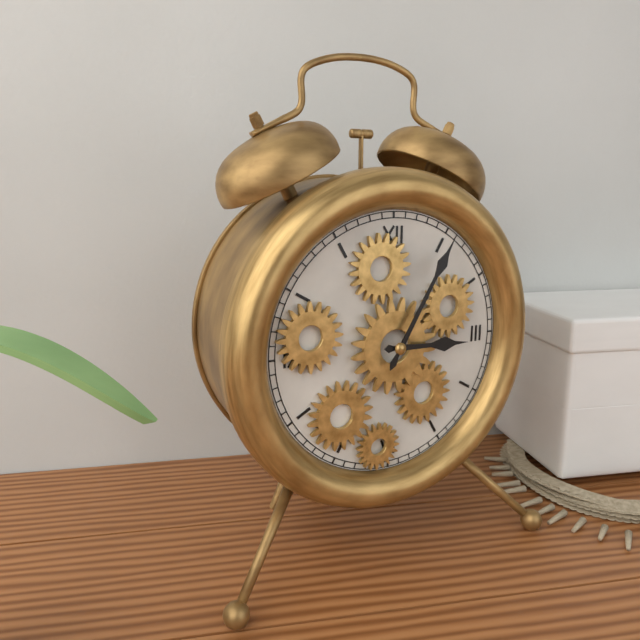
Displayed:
3.05
